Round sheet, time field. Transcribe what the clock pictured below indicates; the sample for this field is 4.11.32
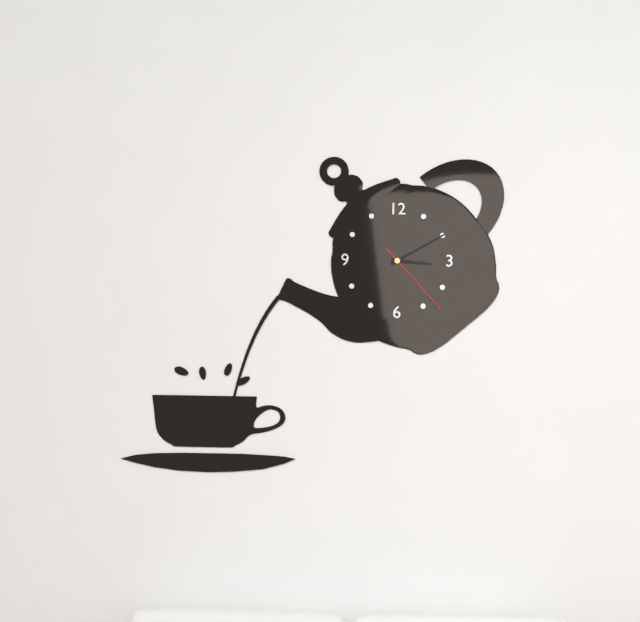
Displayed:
3.10.23
